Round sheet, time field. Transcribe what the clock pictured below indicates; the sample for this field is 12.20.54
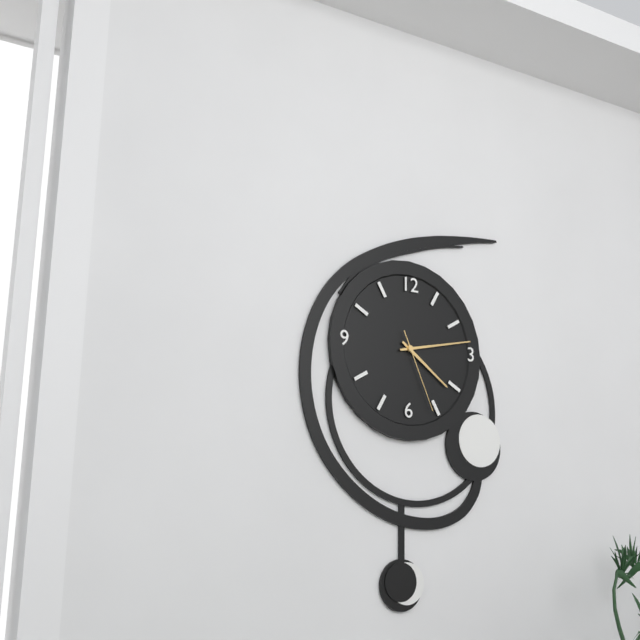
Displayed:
4.13.26
